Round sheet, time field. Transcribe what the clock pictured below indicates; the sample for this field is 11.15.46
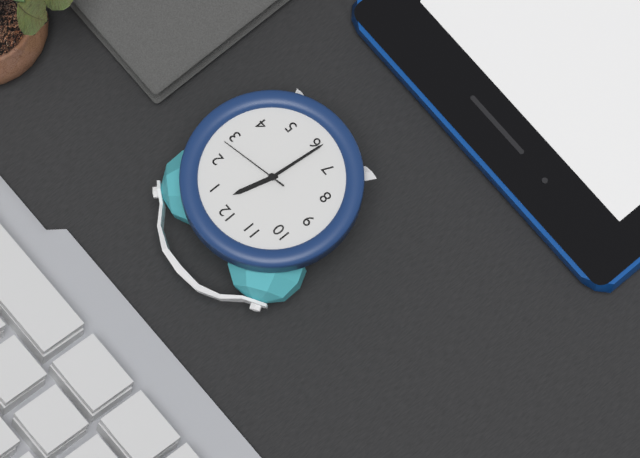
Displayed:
12.31.13
